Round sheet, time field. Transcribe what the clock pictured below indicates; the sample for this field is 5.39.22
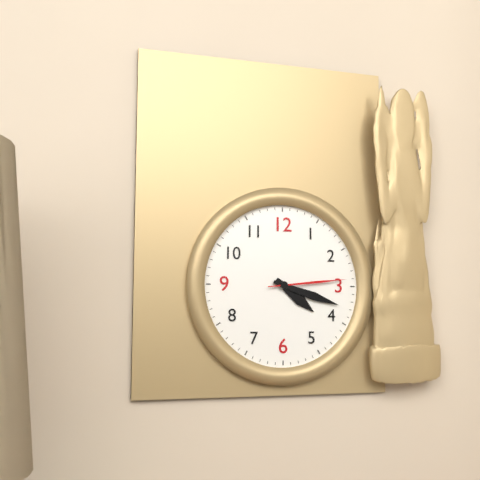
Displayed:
4.18.14
